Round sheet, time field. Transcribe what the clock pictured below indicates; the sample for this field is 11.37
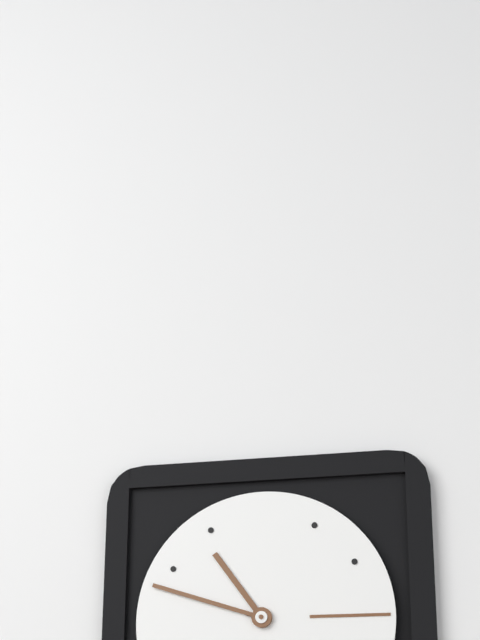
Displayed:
10.48
